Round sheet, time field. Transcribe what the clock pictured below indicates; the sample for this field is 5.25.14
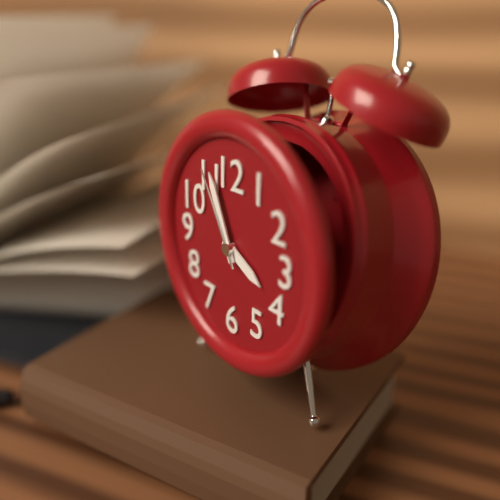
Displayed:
3.56.55
